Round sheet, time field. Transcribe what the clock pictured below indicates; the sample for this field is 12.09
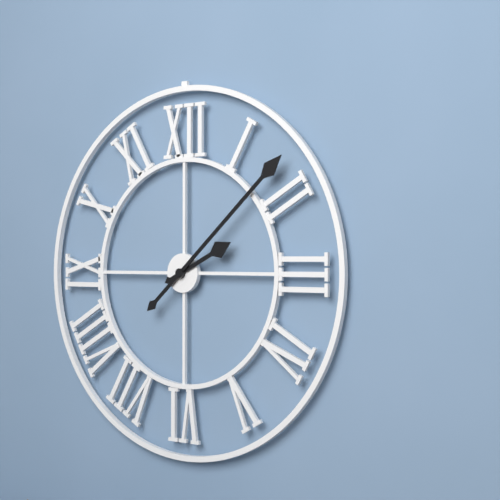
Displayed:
2.08
